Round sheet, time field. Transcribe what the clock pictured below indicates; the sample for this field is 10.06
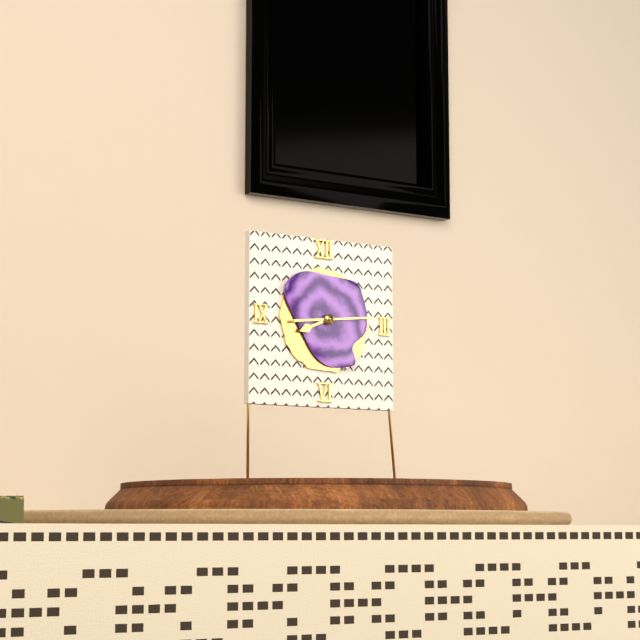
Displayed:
8.14
